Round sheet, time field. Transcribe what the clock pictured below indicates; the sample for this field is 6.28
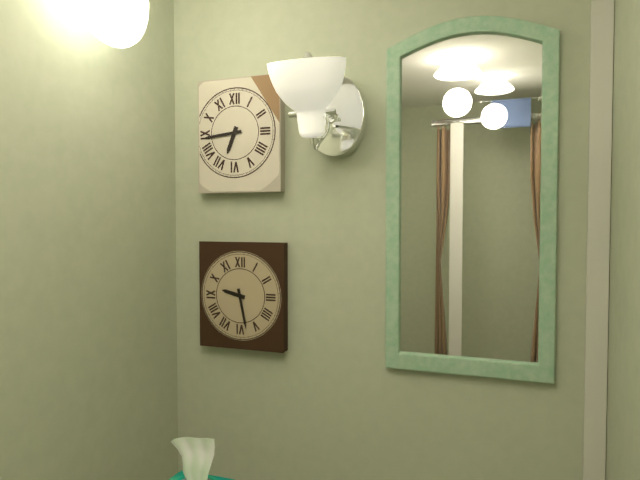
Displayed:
6.44
